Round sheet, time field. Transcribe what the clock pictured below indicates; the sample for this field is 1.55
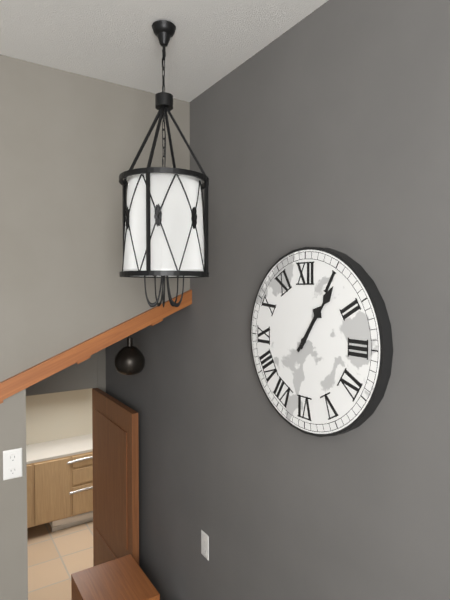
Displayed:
1.06
